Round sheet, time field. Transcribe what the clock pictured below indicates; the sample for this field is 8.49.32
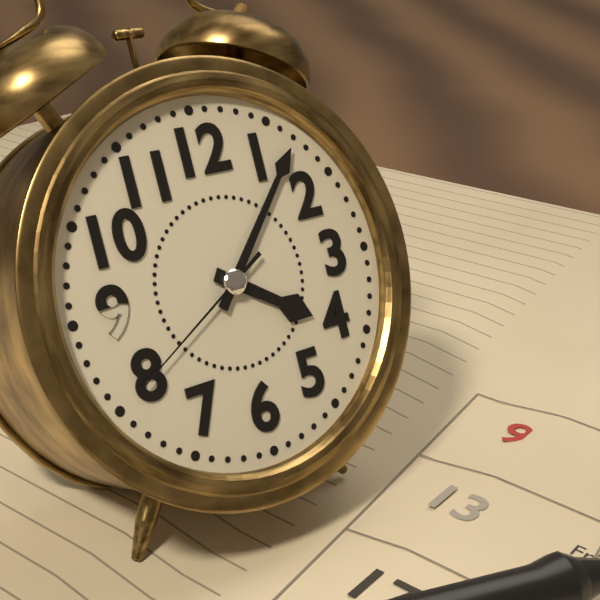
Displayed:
4.07.40
